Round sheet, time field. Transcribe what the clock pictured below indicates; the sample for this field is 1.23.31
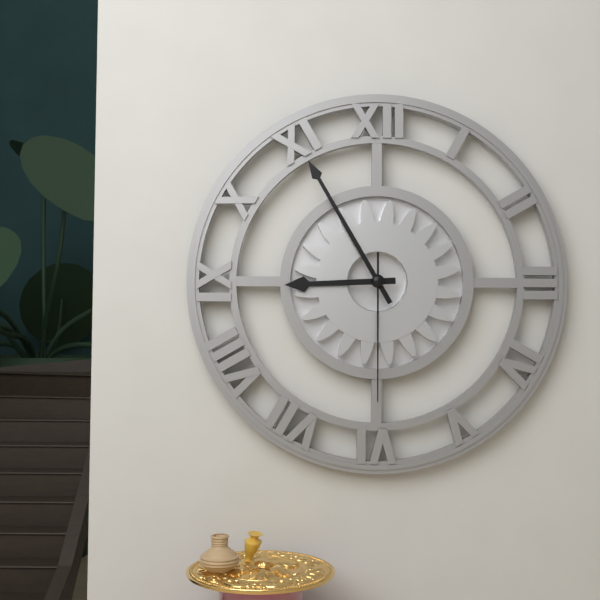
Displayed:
8.55.30
